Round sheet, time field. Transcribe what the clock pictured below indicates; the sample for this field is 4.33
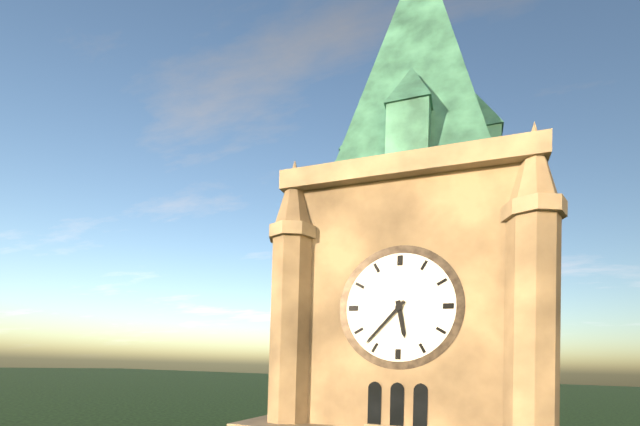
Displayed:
5.37
